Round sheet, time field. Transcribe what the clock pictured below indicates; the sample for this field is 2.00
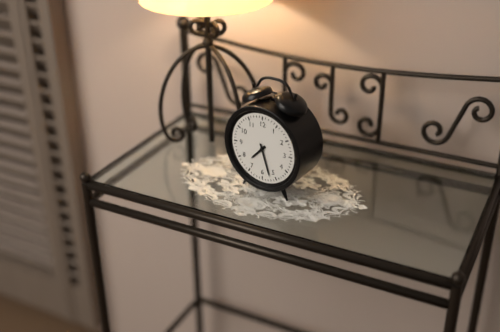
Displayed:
7.27
